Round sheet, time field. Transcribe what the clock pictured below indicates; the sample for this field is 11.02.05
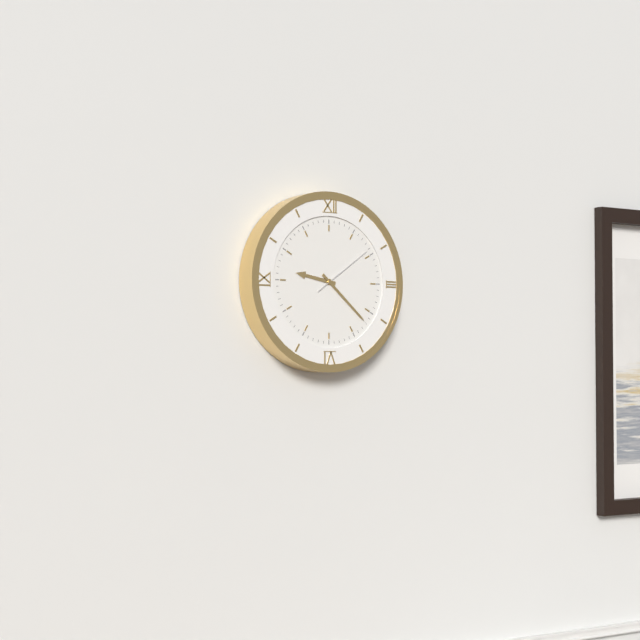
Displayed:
9.22.09
